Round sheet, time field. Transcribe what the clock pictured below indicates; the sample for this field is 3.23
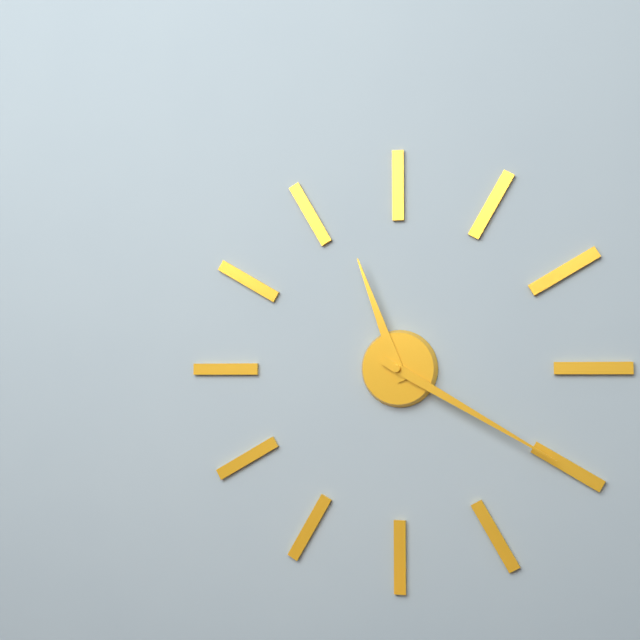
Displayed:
11.20
